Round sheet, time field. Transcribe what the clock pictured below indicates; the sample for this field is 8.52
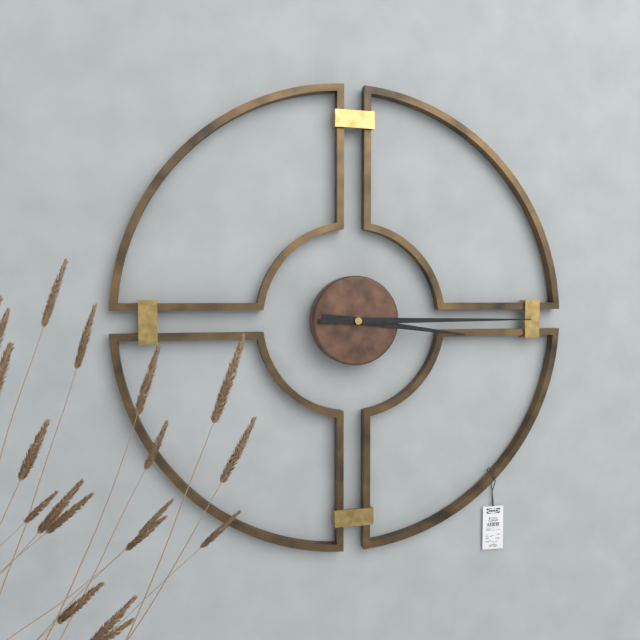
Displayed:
3.15
